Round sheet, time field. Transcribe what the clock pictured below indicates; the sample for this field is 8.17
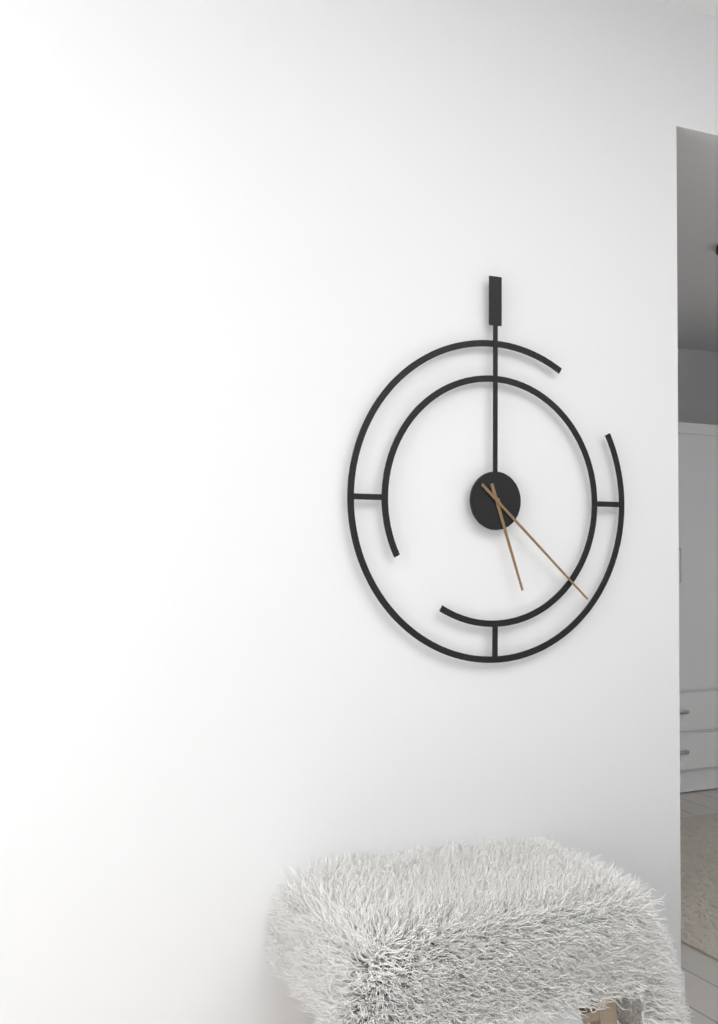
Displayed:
5.22
